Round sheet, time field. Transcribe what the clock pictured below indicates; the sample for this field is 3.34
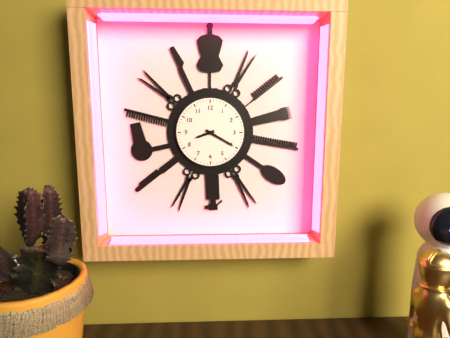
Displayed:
8.20
